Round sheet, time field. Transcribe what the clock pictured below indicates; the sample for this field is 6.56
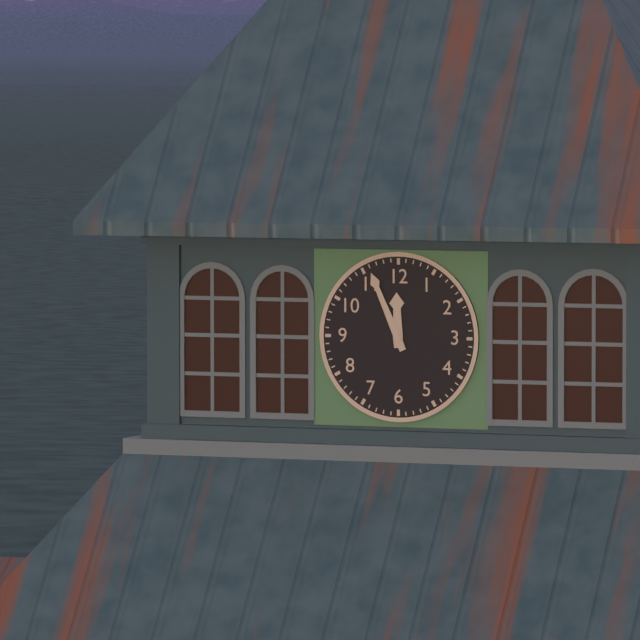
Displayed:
11.56
